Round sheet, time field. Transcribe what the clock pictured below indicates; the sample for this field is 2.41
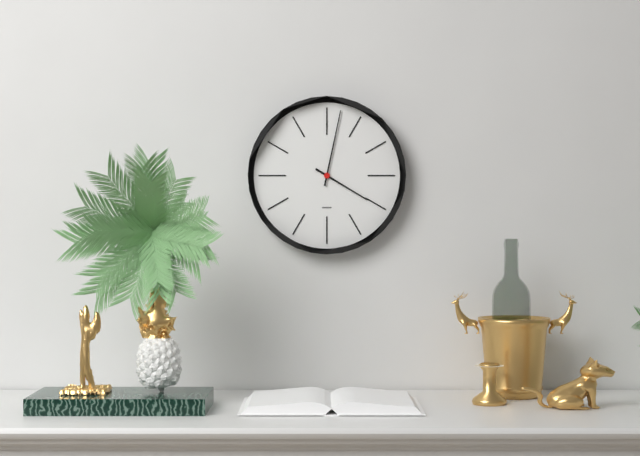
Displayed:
4.02
